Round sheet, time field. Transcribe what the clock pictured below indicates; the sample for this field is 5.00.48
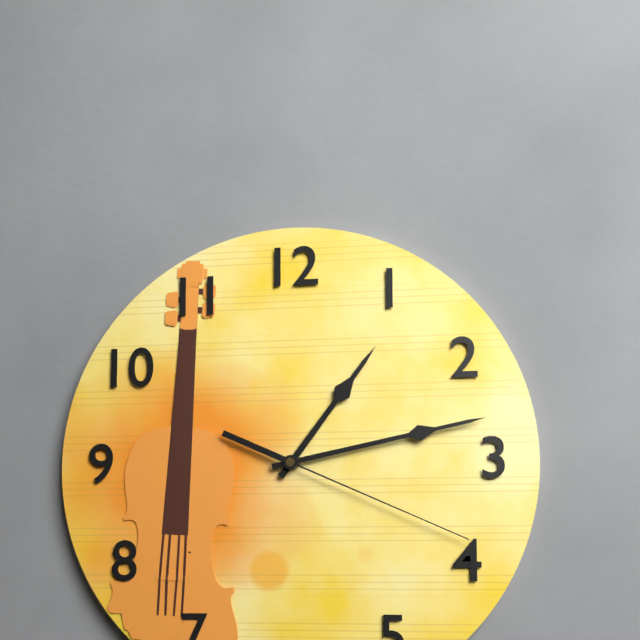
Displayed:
1.13.19
